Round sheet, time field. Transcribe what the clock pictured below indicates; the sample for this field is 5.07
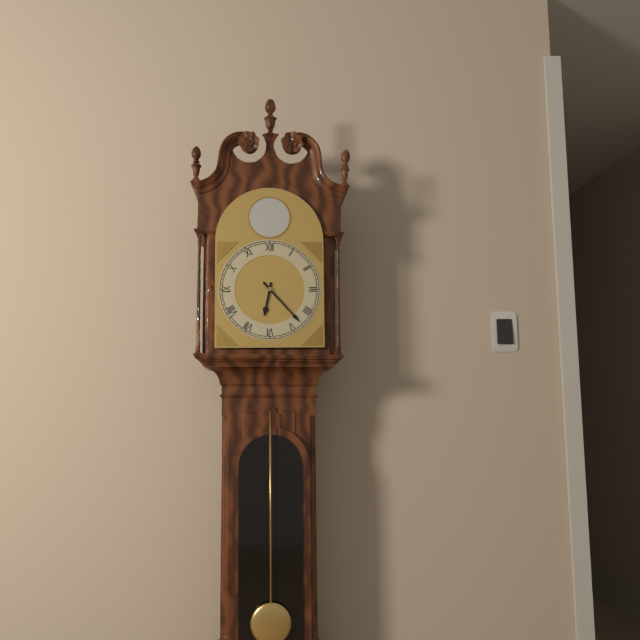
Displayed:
6.23
